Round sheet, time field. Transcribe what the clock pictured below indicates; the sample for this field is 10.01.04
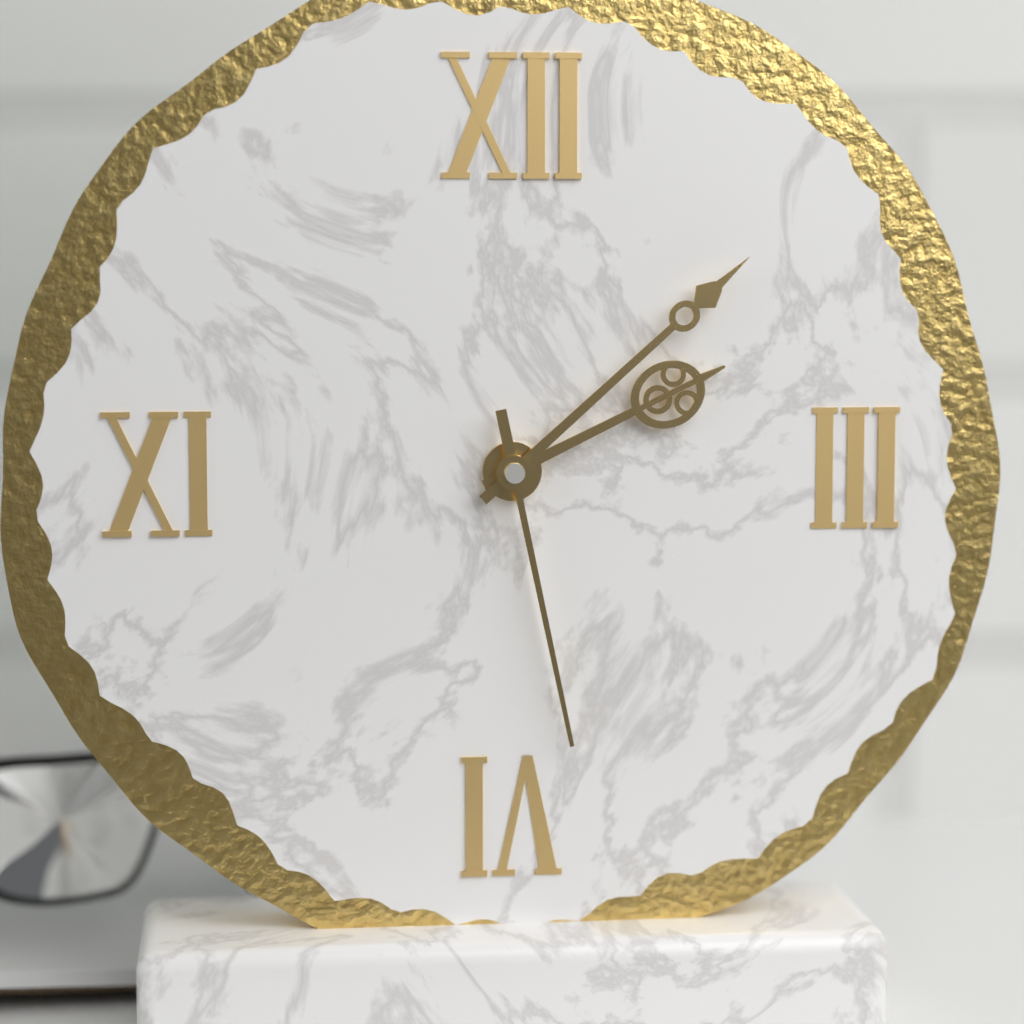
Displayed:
2.08.28
